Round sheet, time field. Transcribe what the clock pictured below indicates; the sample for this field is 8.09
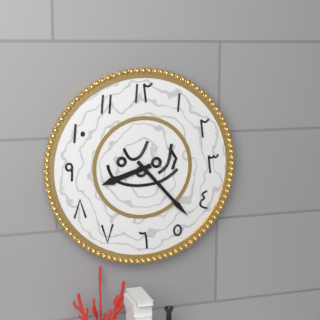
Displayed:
8.23
